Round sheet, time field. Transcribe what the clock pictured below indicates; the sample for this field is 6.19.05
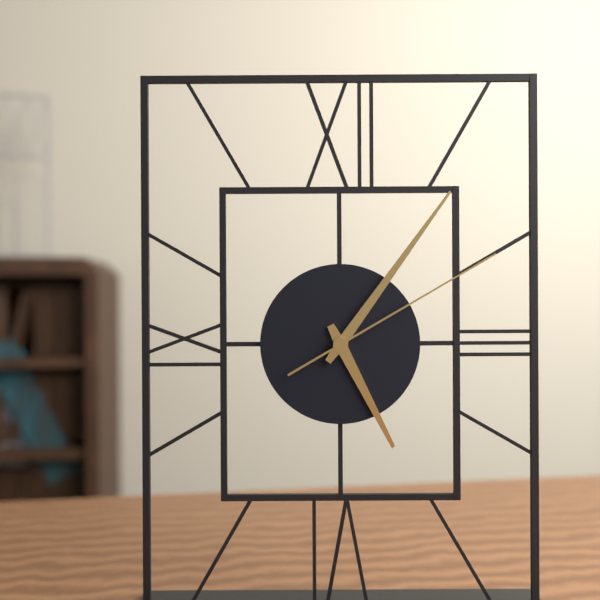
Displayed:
5.06.10
